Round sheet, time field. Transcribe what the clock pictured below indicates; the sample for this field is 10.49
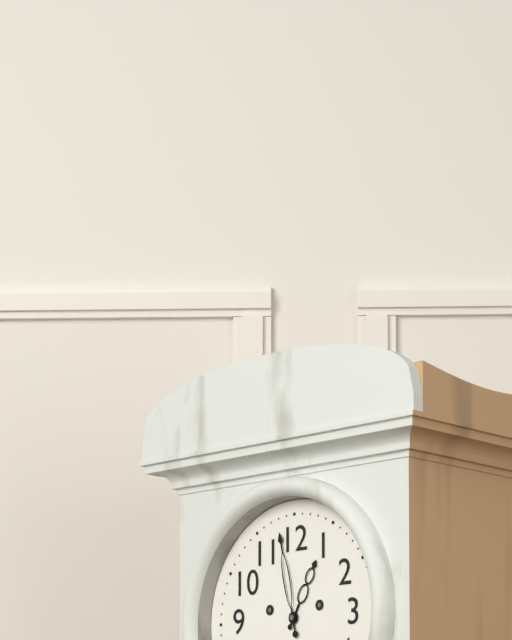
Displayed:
12.58
